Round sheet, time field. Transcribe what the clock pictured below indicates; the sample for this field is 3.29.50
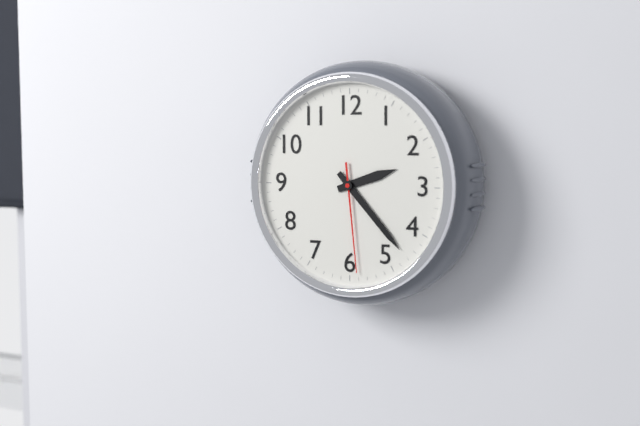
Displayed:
2.23.29
